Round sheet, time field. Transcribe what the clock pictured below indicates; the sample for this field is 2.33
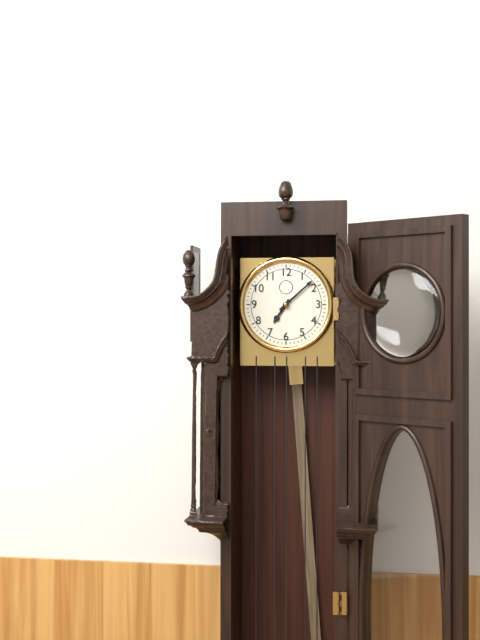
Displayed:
7.08
